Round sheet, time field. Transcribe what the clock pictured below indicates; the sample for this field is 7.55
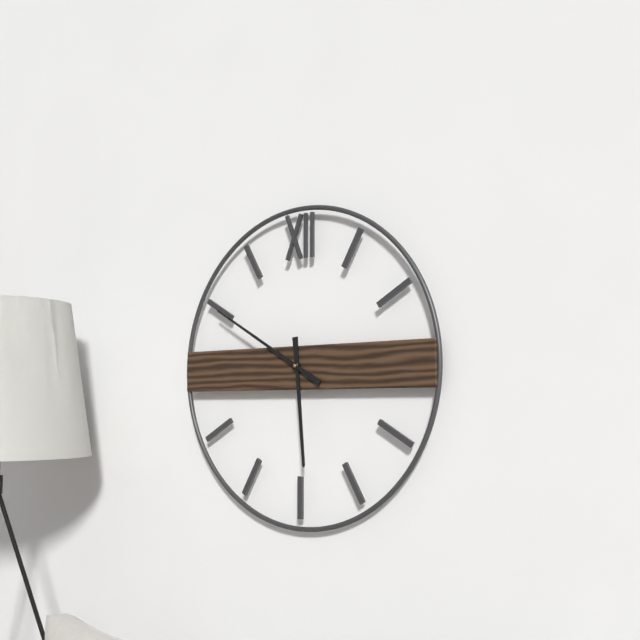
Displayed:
5.50
